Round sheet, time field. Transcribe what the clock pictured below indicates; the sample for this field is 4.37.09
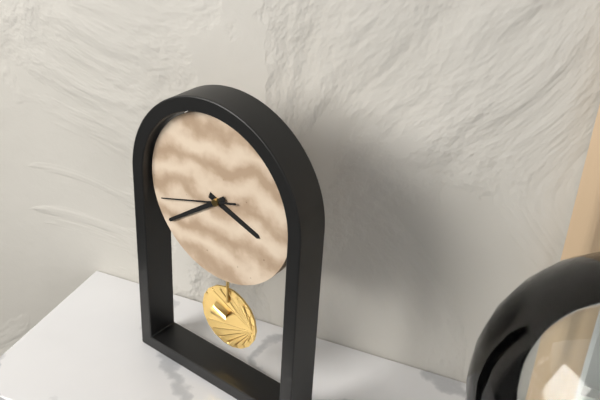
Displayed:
3.39.42
